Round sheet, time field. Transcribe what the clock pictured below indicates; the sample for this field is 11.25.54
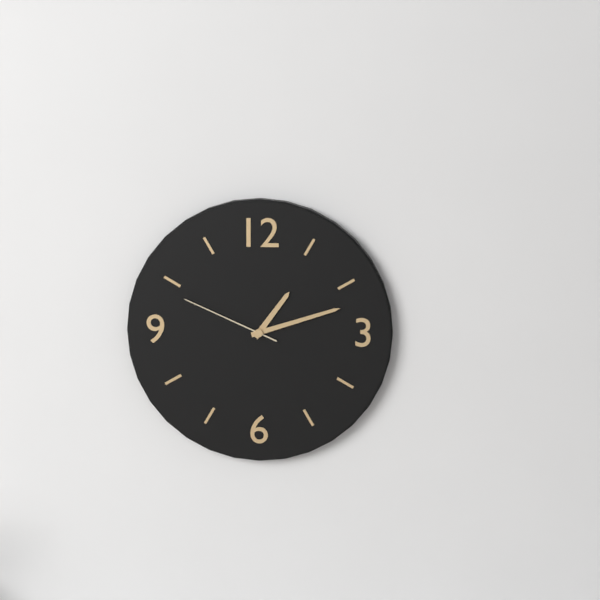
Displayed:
1.12.49
